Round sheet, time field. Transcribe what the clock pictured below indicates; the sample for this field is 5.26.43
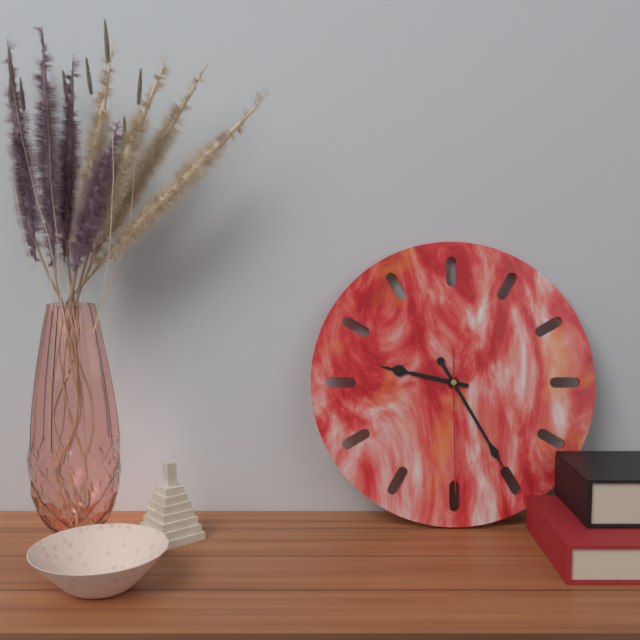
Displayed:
9.25.30
